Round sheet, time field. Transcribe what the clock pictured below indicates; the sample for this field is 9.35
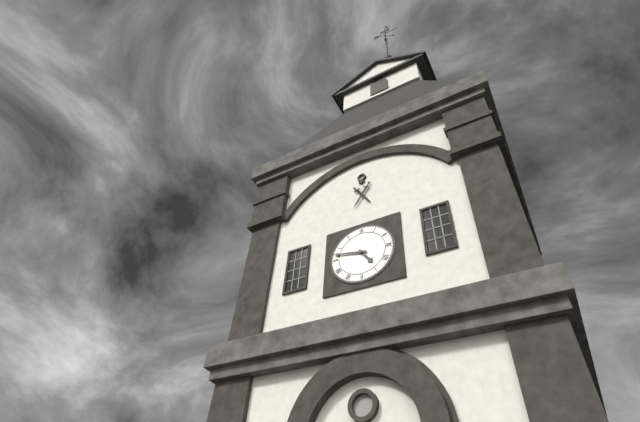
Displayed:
4.47
